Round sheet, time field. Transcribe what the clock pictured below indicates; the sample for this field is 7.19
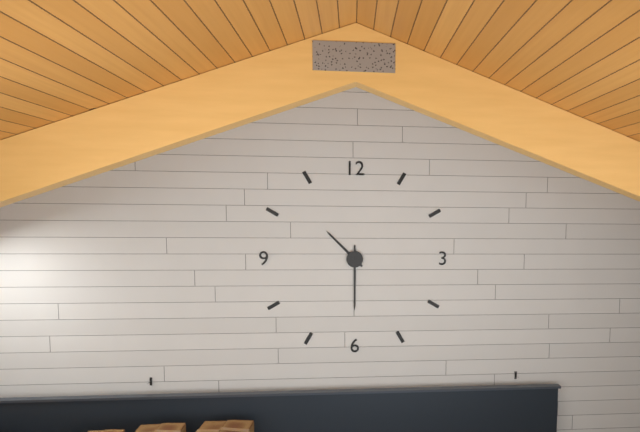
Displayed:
10.30
